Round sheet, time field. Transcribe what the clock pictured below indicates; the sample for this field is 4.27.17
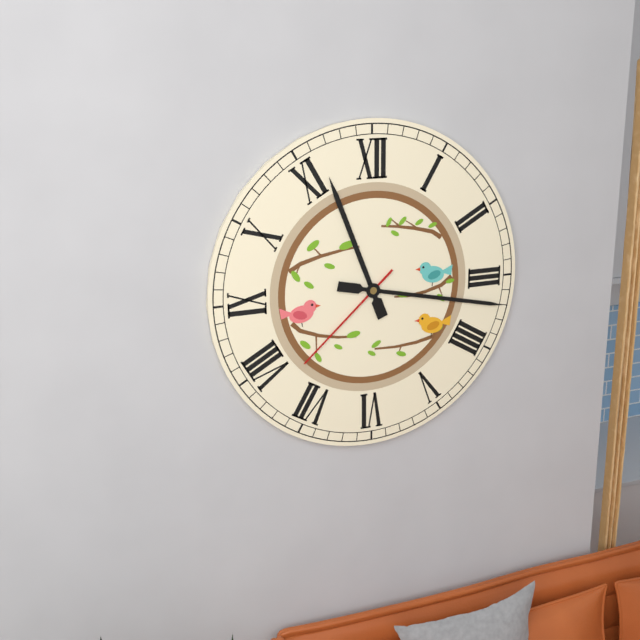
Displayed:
11.17.38
